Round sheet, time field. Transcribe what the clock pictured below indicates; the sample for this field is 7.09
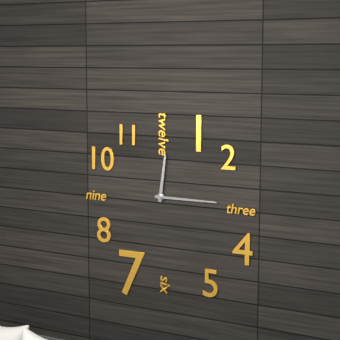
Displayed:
12.15
